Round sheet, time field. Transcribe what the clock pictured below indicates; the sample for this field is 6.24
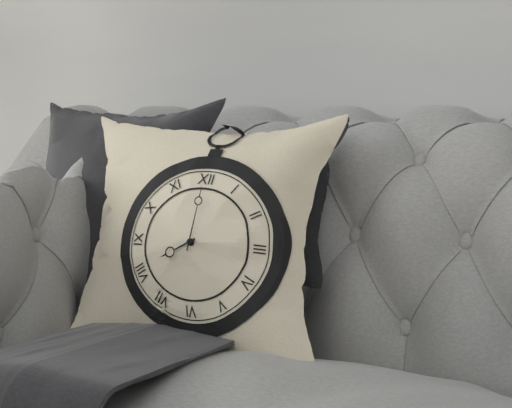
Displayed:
8.01
